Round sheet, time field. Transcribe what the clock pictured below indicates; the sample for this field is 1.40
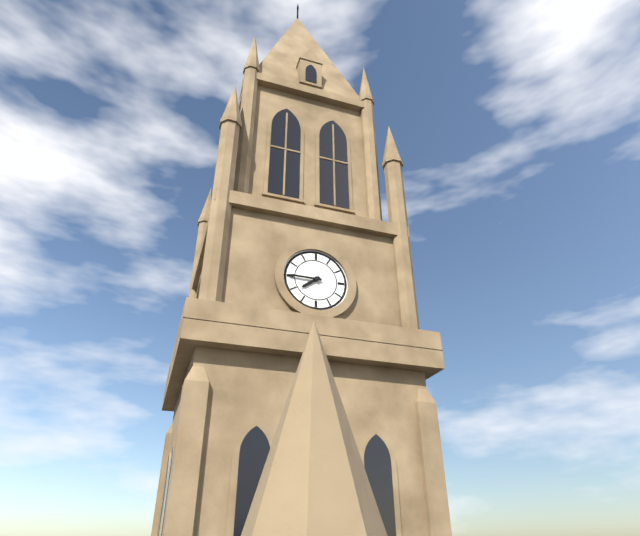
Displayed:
7.45
